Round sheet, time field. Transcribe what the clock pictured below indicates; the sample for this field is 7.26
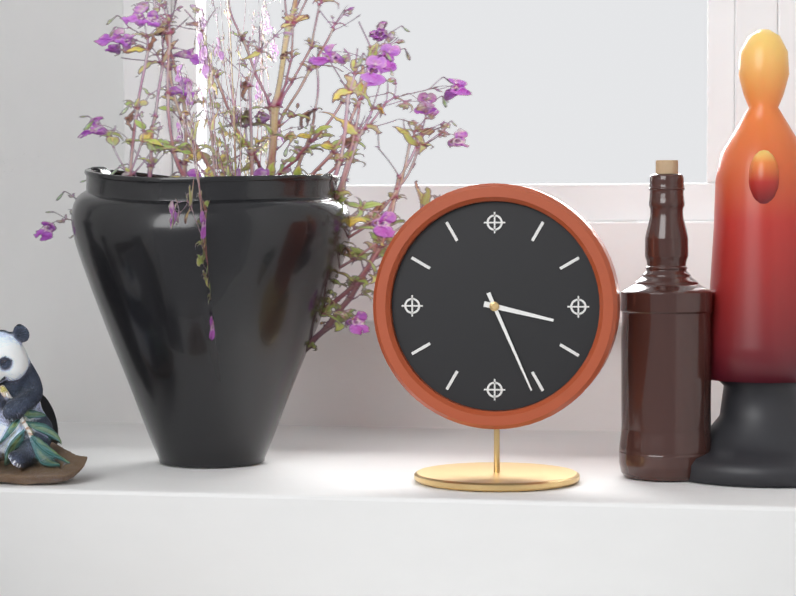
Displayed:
3.26
